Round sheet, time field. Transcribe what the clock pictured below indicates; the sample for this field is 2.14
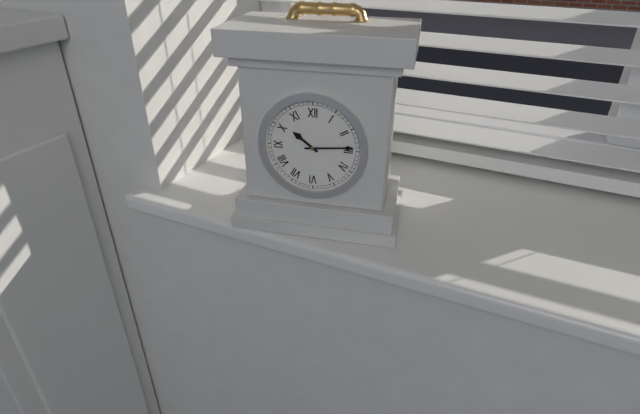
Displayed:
10.14
